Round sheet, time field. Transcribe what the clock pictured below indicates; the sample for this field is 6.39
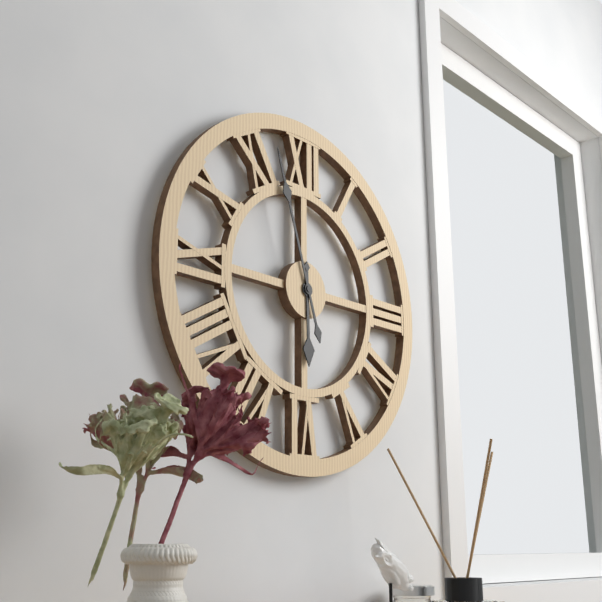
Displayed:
5.57
